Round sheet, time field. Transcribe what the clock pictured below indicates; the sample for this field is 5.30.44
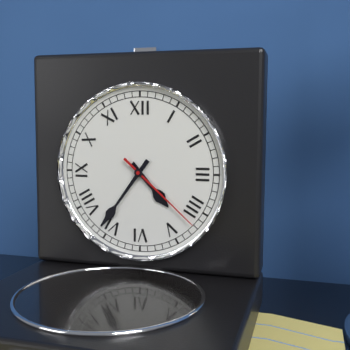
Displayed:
4.36.22
